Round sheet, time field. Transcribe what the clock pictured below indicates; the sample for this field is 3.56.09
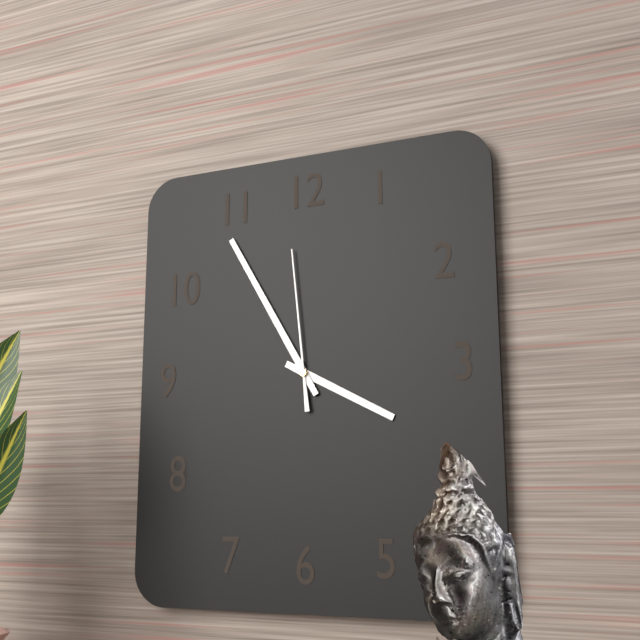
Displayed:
3.55.59
